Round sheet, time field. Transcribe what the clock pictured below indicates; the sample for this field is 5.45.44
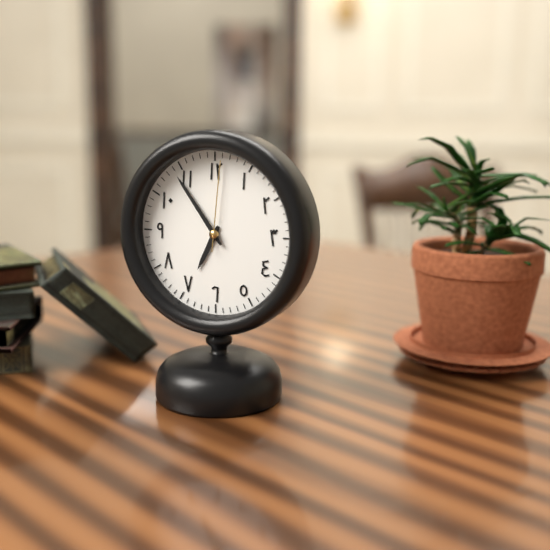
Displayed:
6.54.01
